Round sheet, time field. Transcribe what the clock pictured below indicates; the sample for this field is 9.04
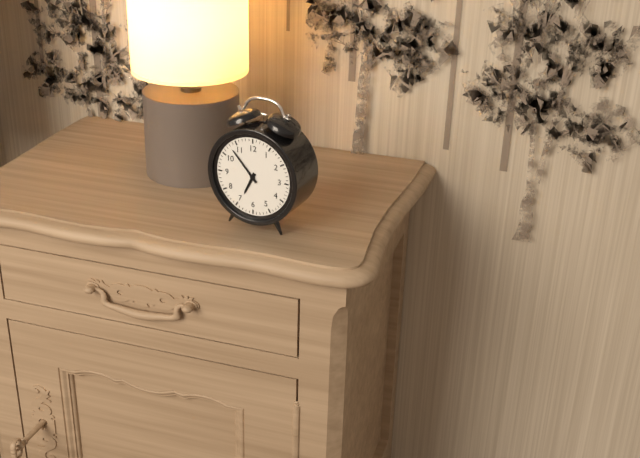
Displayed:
6.53
